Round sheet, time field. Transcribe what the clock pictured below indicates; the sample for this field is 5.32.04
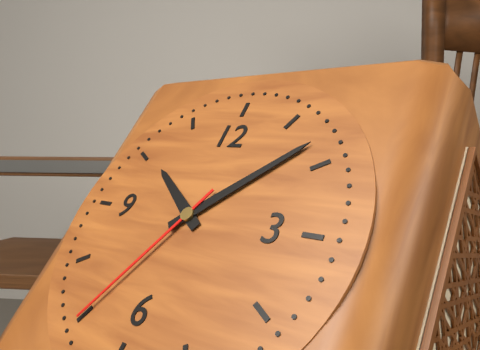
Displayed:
10.08.35
